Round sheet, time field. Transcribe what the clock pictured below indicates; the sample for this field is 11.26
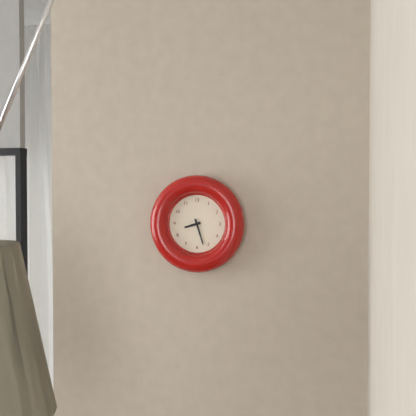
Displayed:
8.27
